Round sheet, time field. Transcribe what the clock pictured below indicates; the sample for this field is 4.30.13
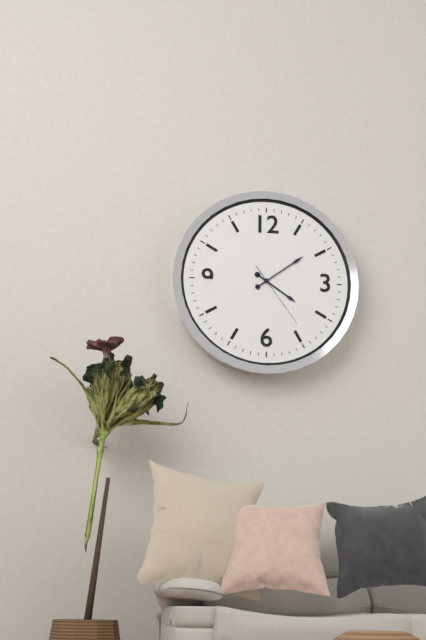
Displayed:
4.09.24
